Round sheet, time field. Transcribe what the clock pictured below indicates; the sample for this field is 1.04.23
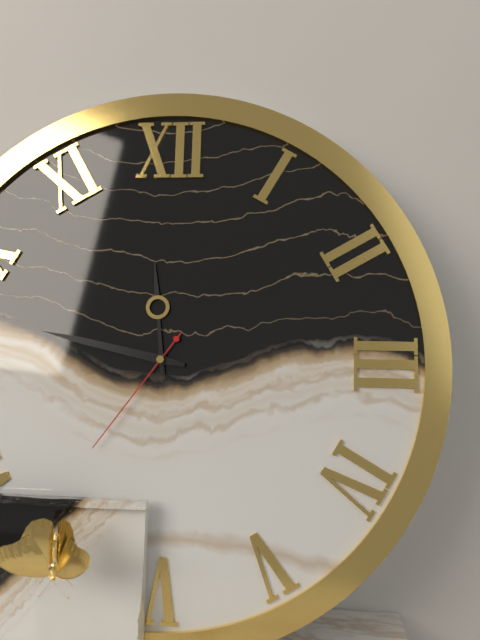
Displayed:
11.47.36
